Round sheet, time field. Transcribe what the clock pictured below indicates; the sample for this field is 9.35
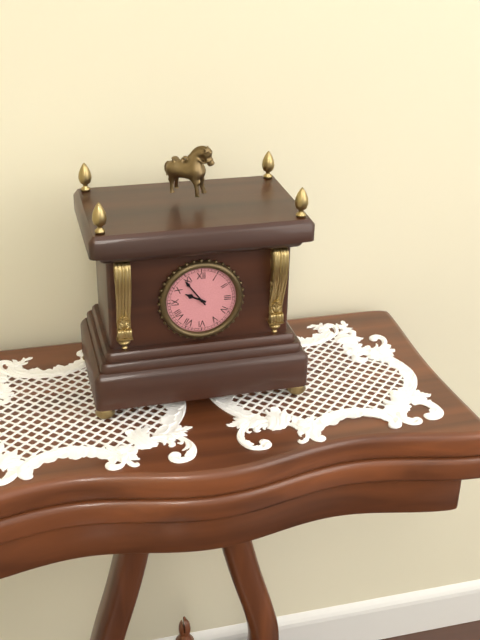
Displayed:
9.54
